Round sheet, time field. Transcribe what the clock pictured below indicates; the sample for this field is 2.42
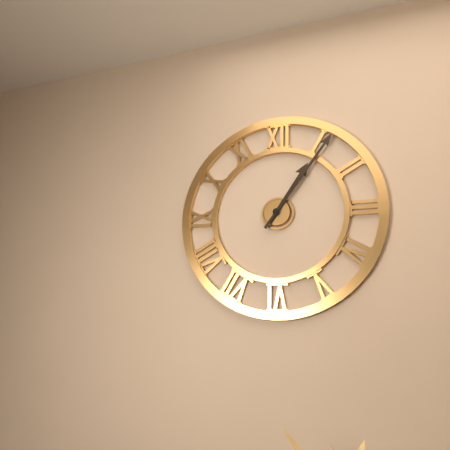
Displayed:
1.06
